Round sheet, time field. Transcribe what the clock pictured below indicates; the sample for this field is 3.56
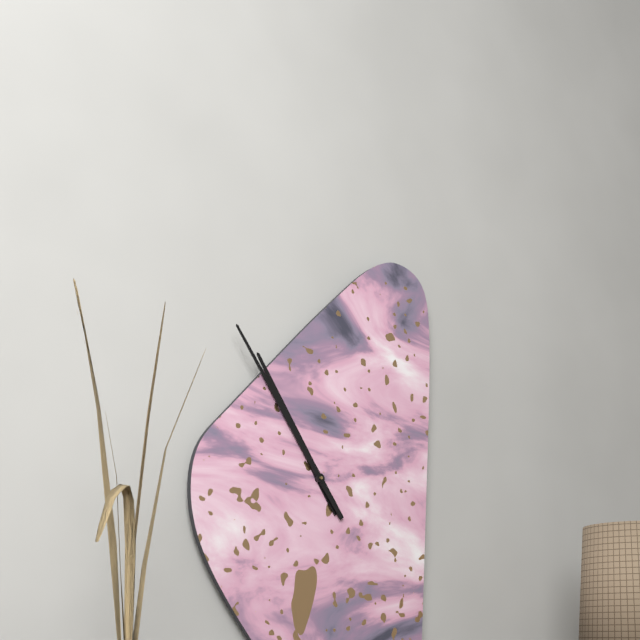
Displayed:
10.54
